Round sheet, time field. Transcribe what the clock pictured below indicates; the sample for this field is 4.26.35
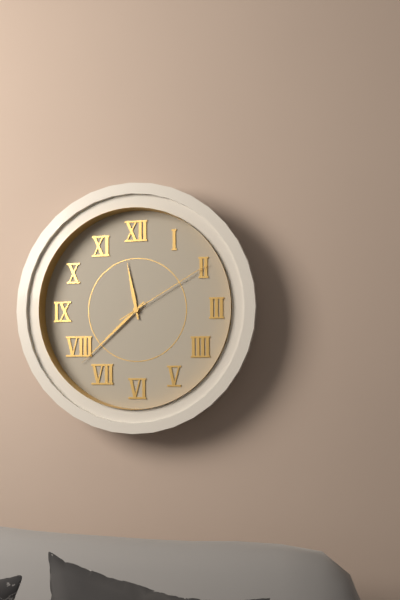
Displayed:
11.38.10
